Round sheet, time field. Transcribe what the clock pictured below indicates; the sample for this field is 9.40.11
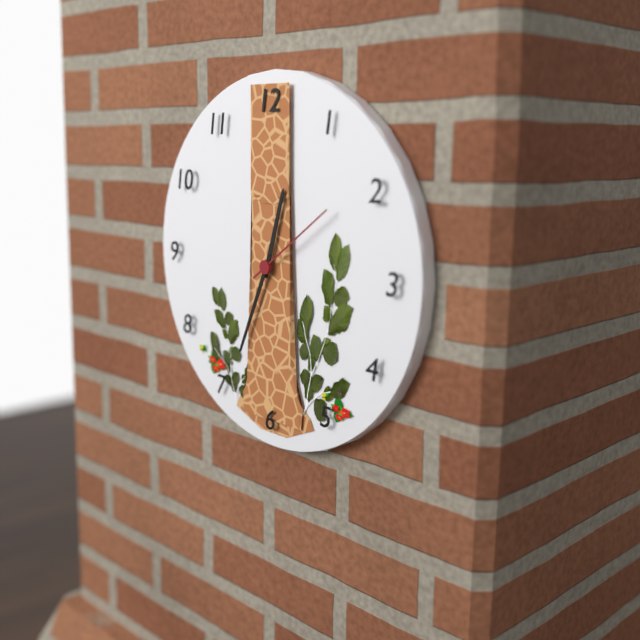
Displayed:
12.34.09
